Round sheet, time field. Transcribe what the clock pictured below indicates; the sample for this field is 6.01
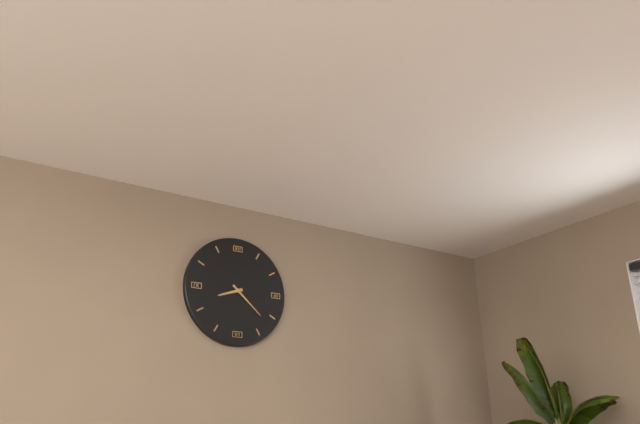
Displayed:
8.22
